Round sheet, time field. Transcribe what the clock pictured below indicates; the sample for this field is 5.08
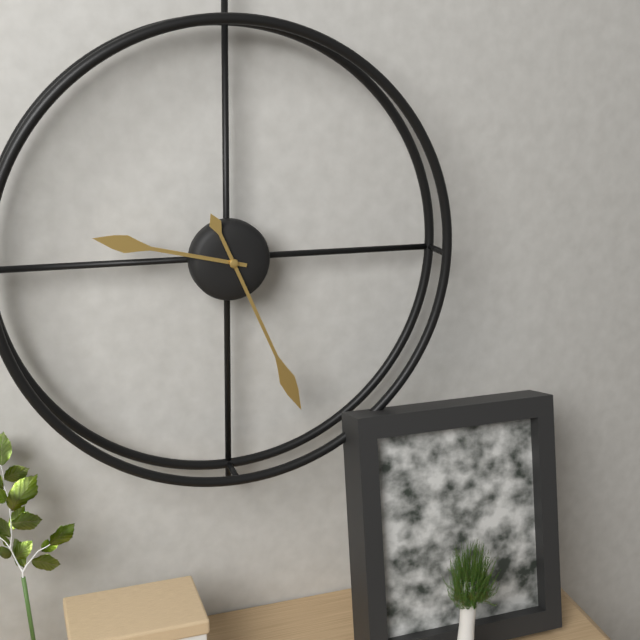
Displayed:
9.26
